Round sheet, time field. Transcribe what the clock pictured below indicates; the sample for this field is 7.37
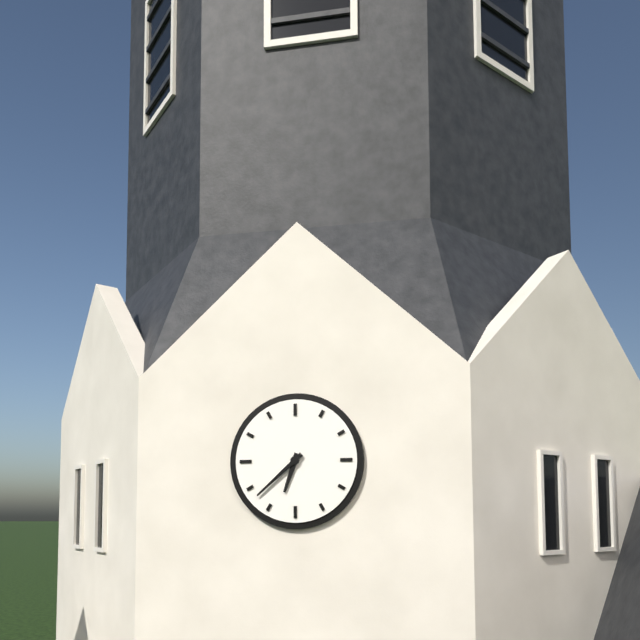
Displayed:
6.38
